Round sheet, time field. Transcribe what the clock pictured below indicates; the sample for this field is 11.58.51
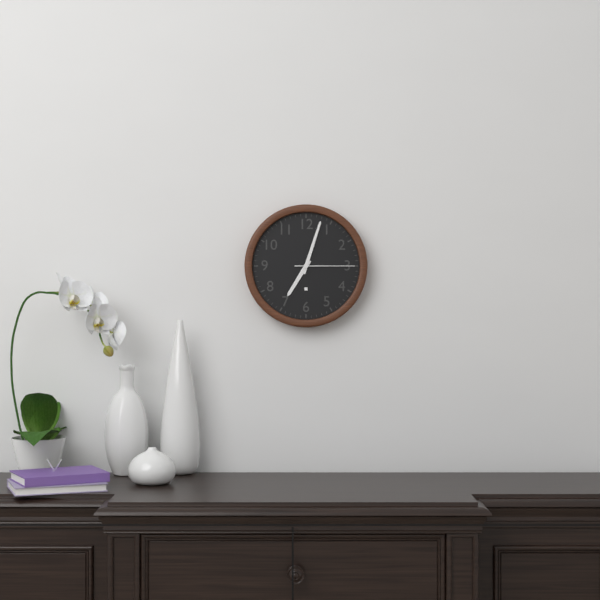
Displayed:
7.03.15
